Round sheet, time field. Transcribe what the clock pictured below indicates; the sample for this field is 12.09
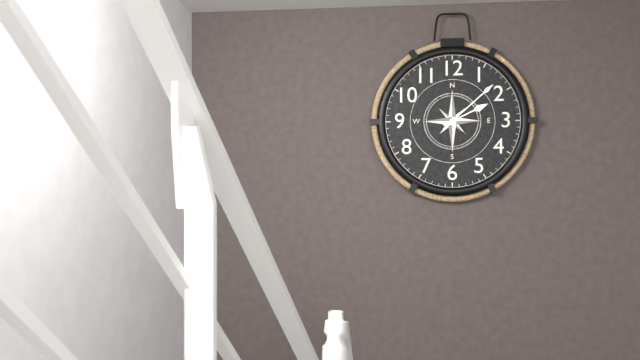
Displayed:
2.08
